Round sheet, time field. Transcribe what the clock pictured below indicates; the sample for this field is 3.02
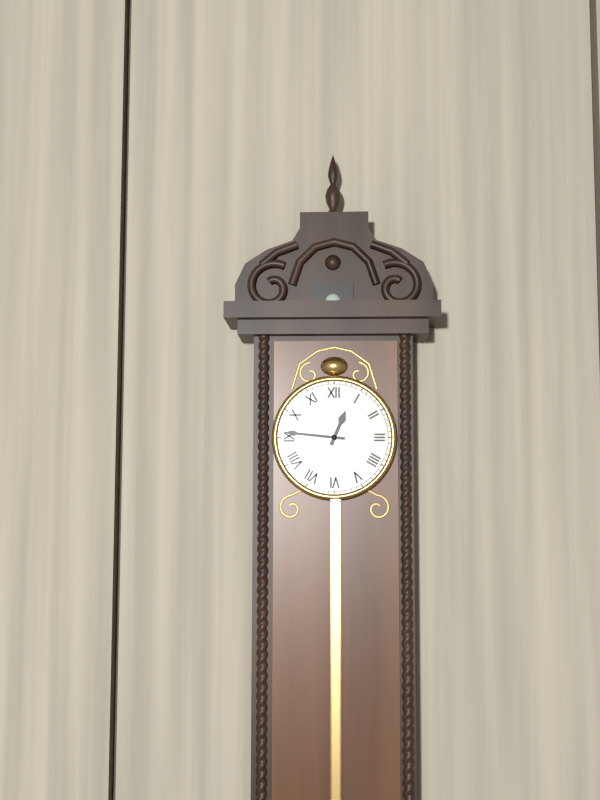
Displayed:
12.46
